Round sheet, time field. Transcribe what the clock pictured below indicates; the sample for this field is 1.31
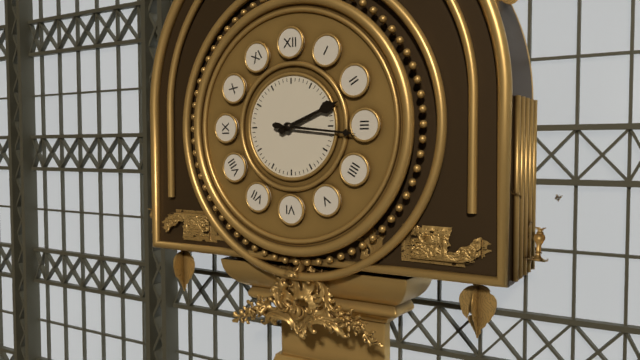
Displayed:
2.16
